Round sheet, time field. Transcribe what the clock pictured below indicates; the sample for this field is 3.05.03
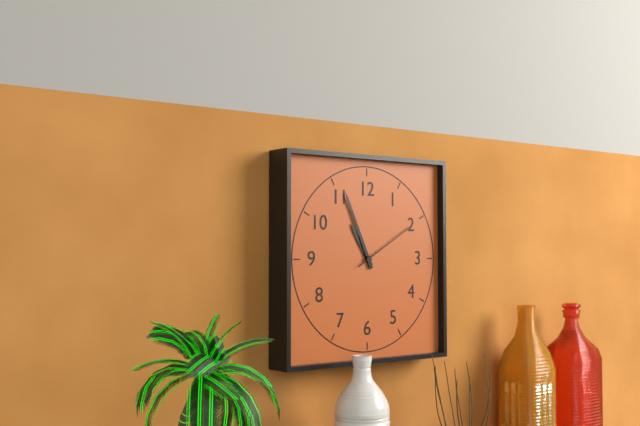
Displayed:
10.56.10
